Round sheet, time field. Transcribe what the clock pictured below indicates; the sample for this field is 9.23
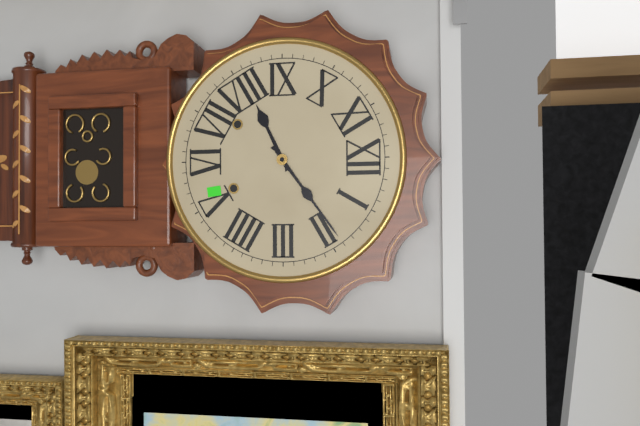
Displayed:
8.09
